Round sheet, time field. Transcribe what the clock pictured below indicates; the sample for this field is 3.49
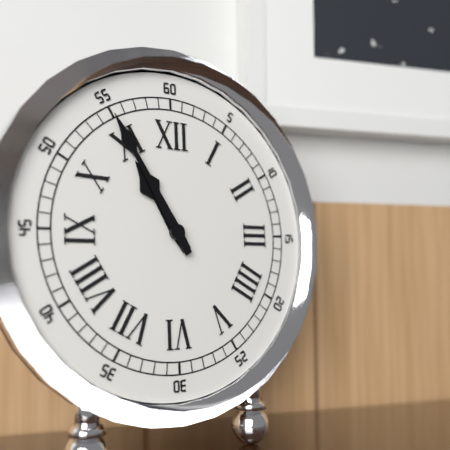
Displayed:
10.55
